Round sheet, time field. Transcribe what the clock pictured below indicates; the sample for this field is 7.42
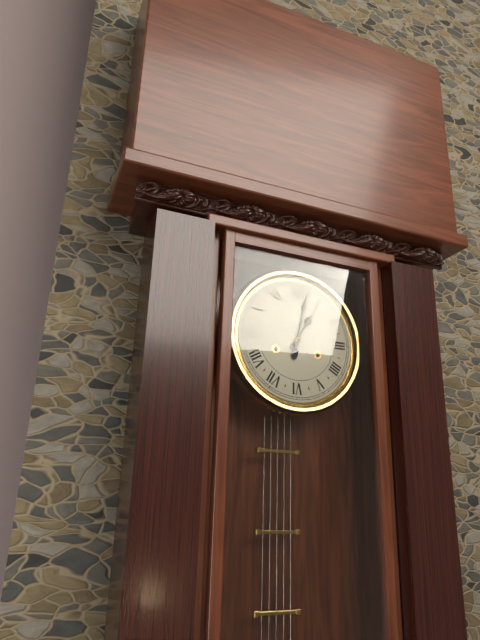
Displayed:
1.02
